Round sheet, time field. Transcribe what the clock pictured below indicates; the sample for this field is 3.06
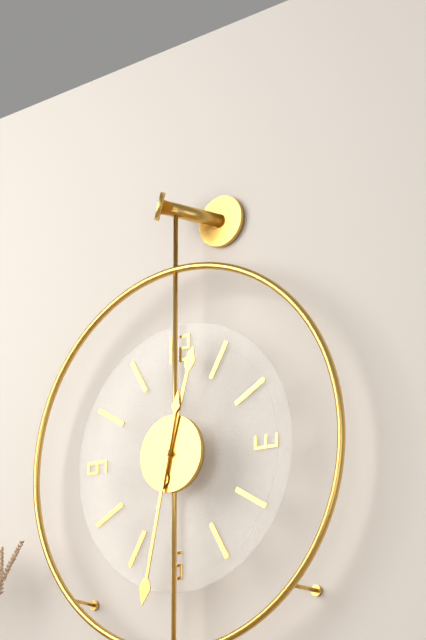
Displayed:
12.32
